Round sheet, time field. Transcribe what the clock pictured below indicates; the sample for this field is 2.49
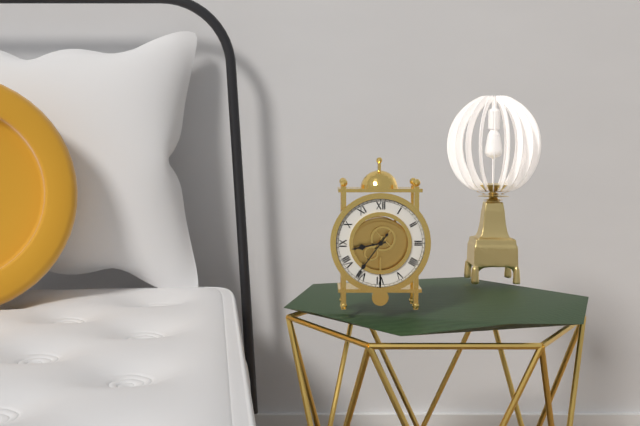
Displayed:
8.36
